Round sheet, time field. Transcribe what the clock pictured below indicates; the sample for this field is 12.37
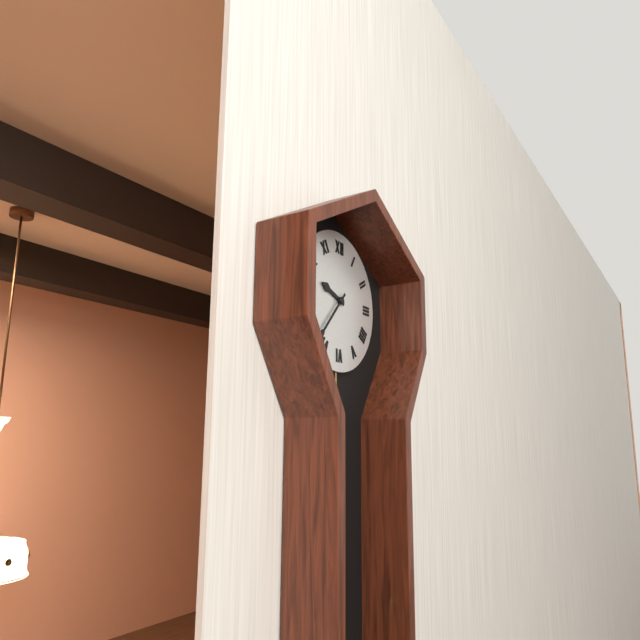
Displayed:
9.37
